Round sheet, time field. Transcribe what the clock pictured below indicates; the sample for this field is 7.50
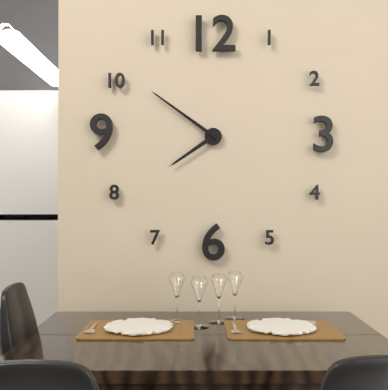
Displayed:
7.51
